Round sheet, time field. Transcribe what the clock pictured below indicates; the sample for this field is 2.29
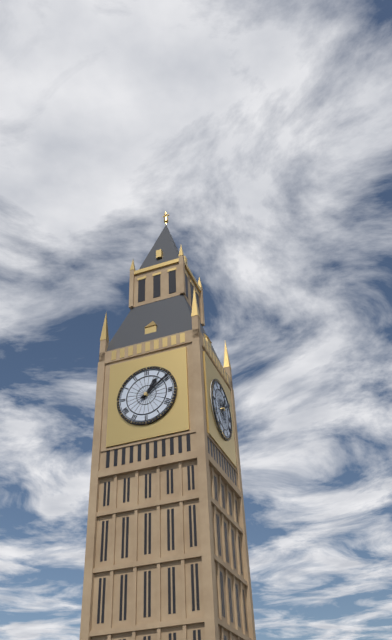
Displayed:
1.09
